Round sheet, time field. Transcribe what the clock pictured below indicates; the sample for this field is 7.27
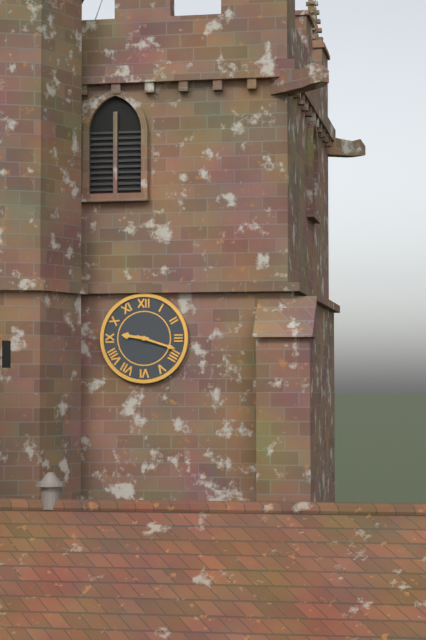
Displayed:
9.18
